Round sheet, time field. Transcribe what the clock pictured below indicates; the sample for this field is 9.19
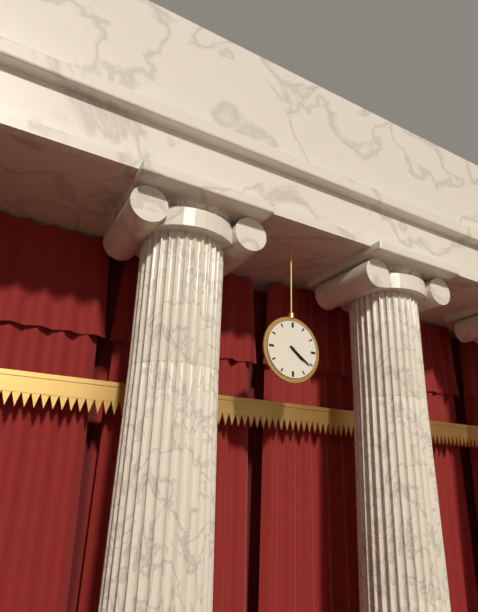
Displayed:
4.21
